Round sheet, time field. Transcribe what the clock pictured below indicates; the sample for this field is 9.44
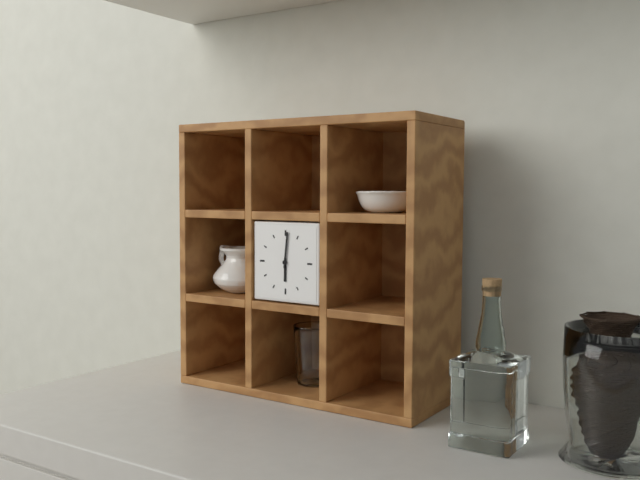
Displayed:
6.01
